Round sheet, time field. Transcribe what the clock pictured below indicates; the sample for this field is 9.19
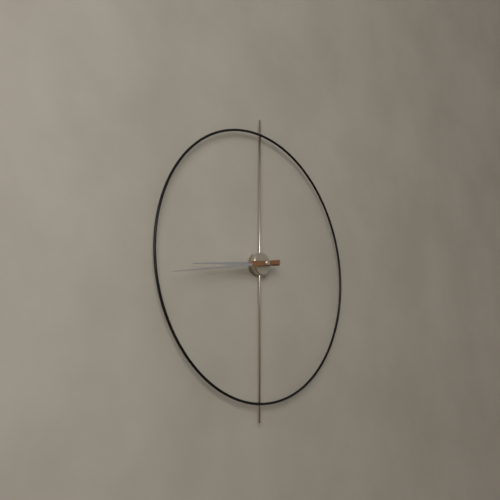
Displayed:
8.43
